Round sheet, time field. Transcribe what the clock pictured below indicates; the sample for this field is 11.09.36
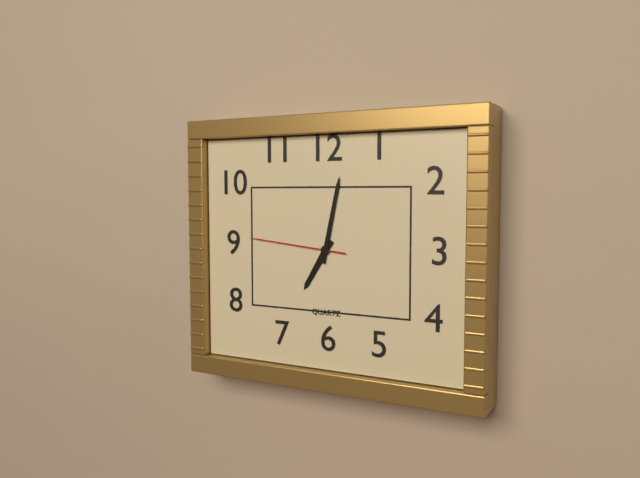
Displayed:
7.02.46
